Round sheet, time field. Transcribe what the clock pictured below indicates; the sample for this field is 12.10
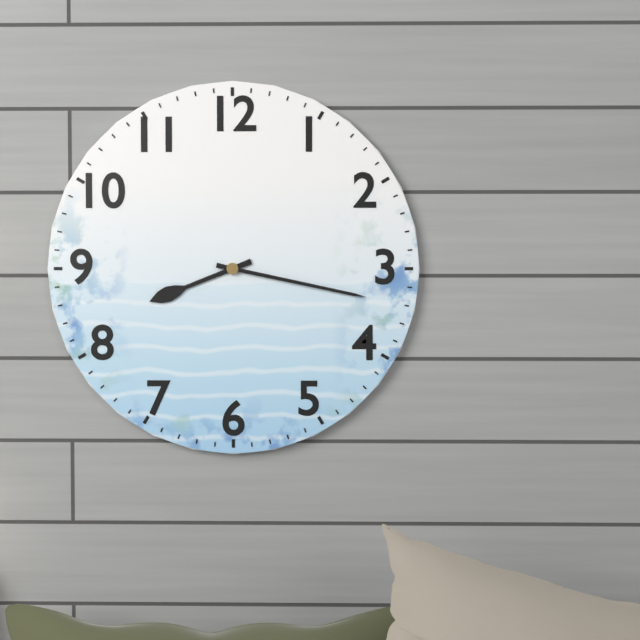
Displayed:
8.17
